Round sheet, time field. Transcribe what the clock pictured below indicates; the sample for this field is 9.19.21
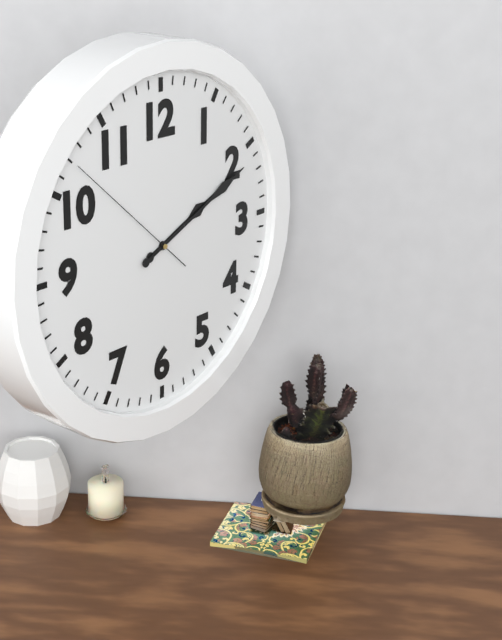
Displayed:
2.11.52
